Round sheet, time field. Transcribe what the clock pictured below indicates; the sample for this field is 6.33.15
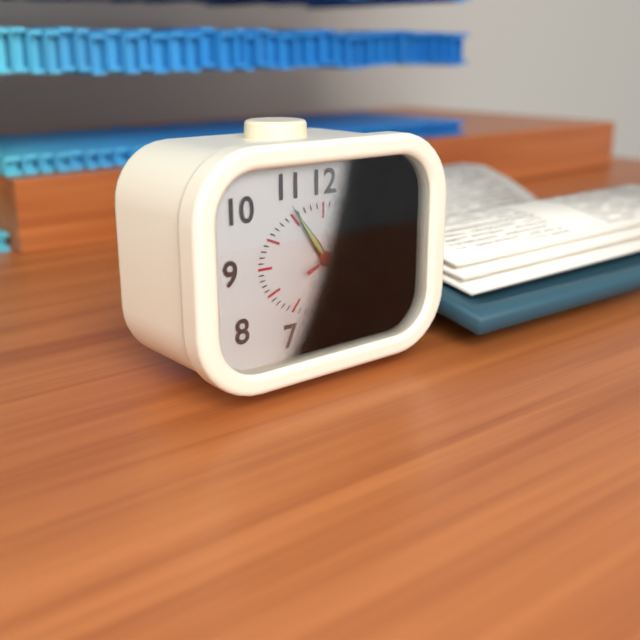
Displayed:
10.54.11
